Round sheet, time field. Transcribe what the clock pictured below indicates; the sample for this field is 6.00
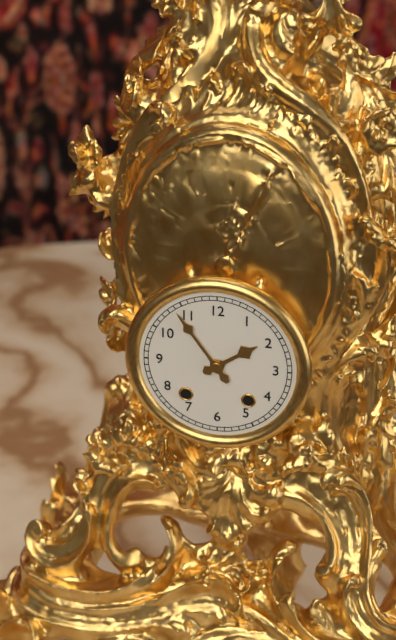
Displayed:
1.54
